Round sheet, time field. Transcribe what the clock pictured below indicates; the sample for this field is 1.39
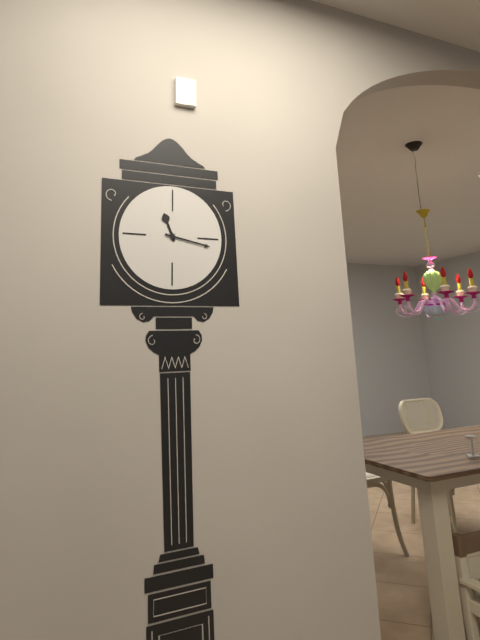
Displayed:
11.17
